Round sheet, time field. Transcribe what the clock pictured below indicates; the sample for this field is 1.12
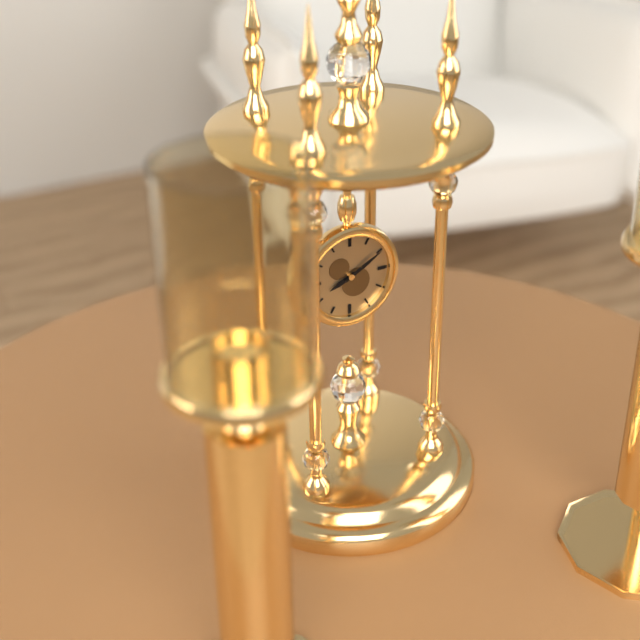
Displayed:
8.10
